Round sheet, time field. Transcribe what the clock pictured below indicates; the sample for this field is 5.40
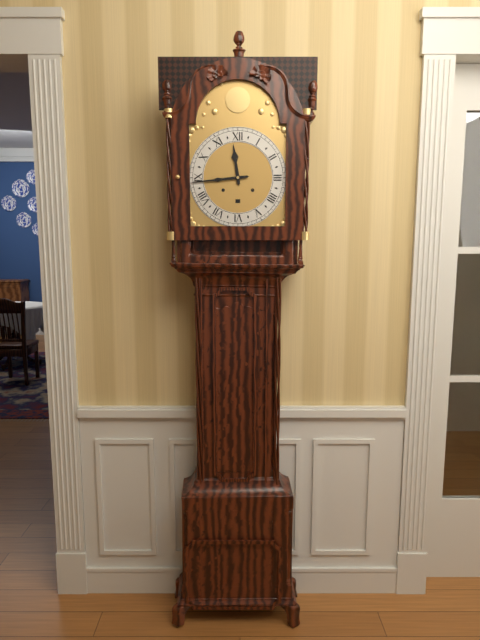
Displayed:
11.44
